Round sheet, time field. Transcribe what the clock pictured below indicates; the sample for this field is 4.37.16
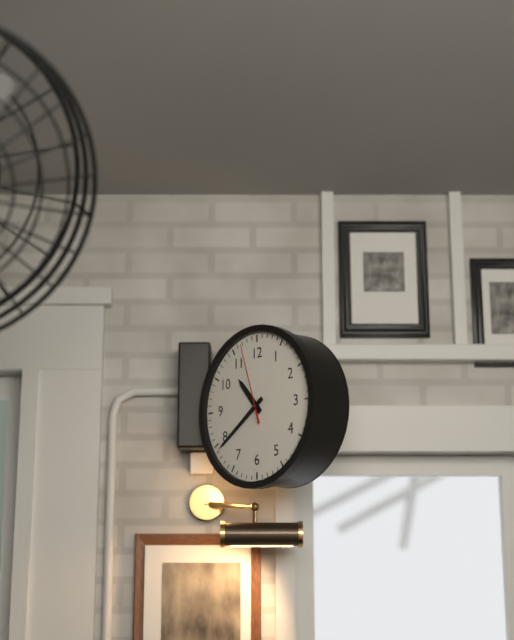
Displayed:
10.39.57
